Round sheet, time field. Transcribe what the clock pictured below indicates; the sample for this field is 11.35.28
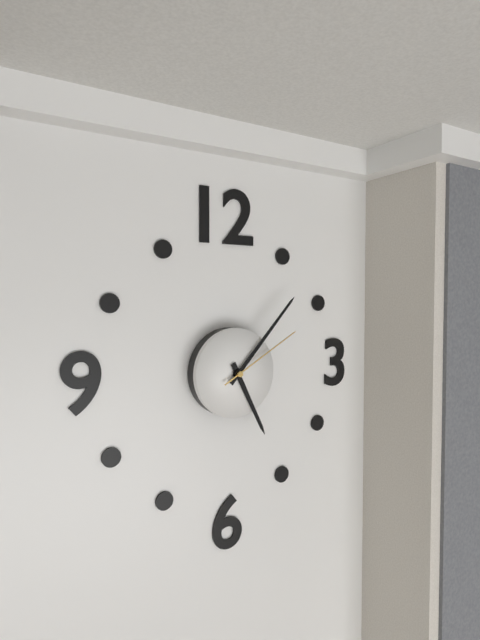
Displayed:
5.07.10
